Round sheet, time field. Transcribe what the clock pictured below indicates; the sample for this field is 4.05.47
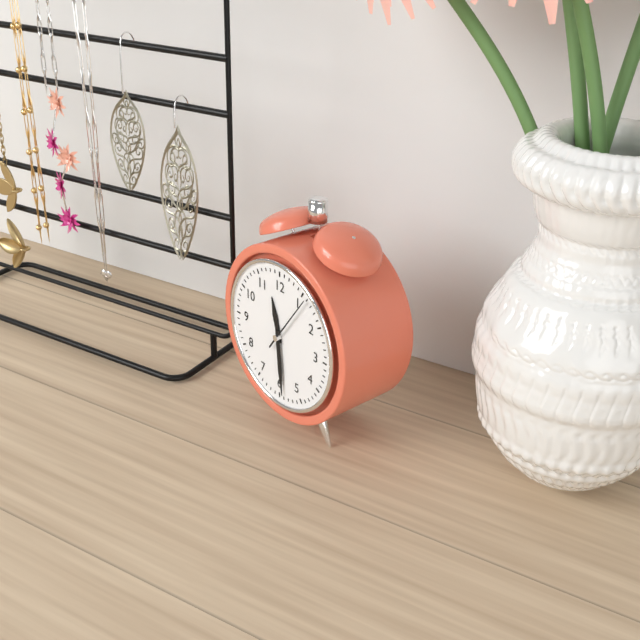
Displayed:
11.29.06
